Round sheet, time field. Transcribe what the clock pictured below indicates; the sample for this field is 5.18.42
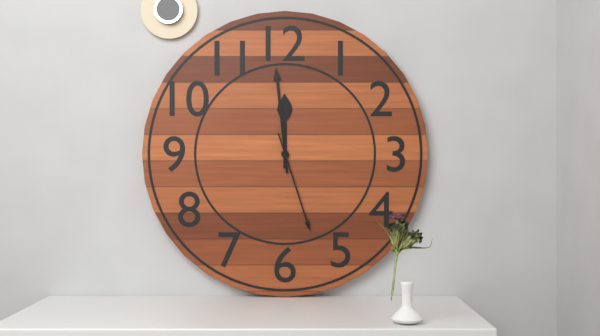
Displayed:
11.59.27
